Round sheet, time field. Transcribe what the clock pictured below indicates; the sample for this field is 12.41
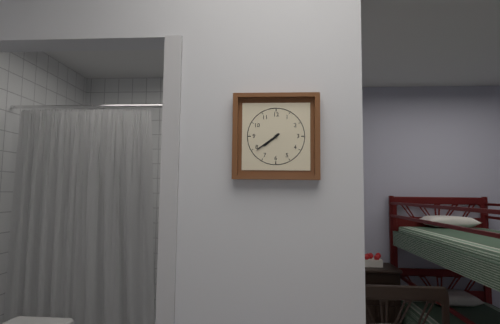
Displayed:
7.39
